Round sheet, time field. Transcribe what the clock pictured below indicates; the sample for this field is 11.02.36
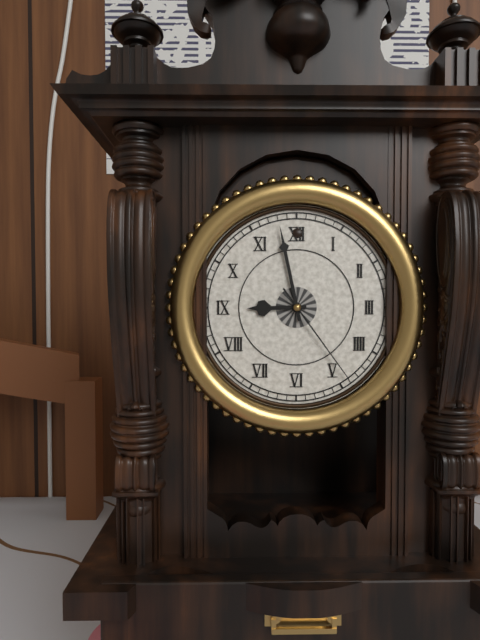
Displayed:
8.58.24
